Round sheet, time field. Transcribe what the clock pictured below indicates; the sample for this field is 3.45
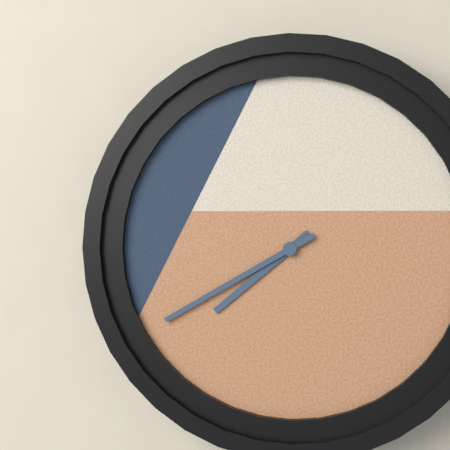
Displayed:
7.40
